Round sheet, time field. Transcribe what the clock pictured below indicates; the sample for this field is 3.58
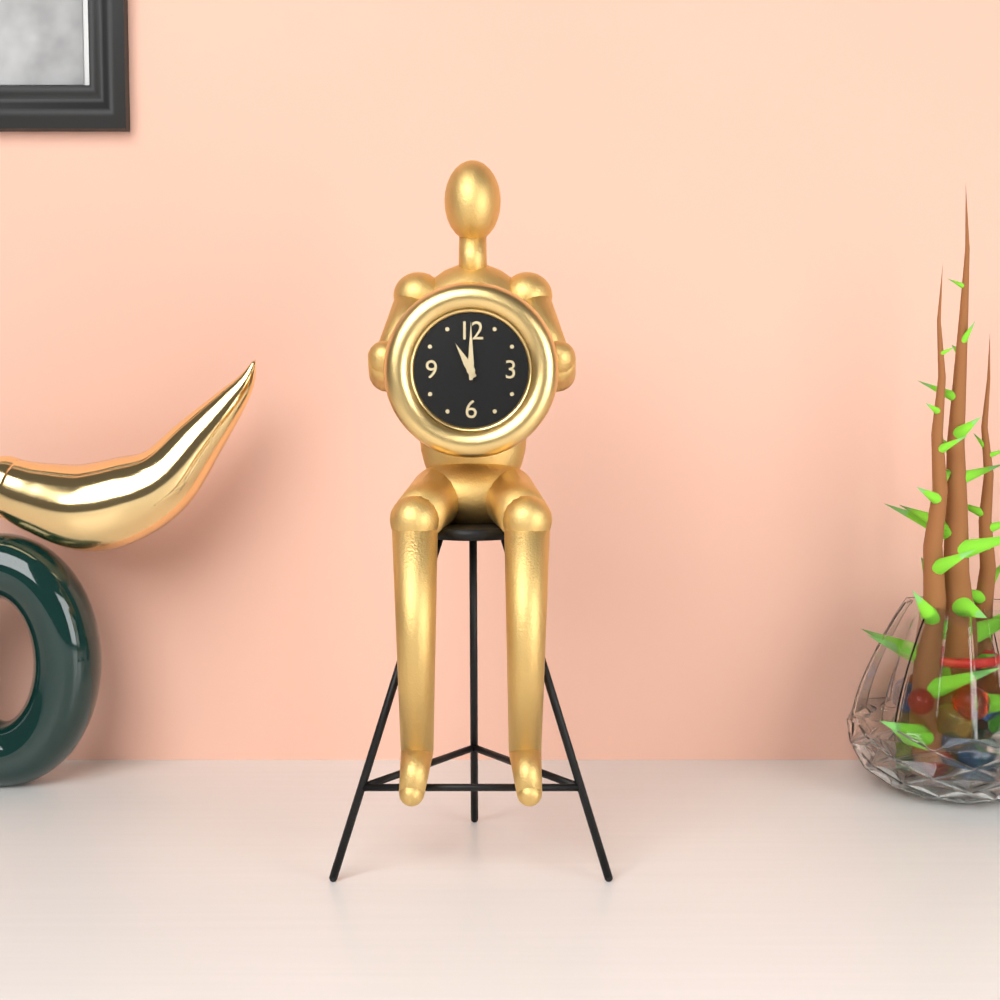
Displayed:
11.00
